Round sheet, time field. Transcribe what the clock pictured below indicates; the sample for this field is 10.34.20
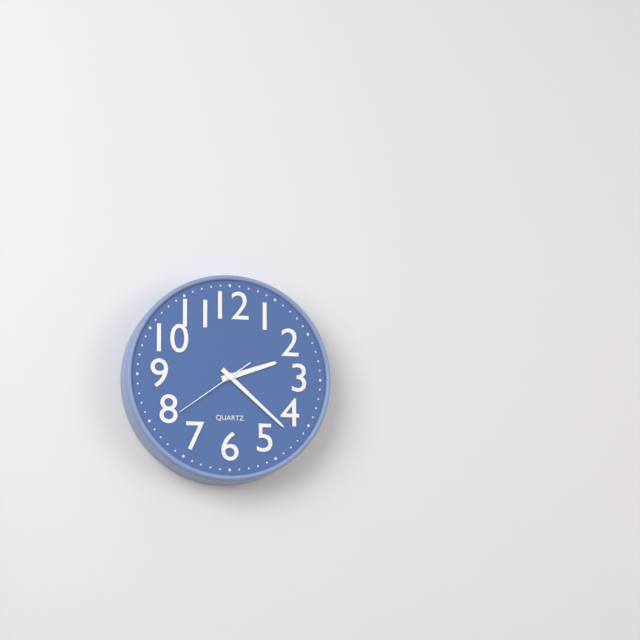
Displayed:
2.22.39
